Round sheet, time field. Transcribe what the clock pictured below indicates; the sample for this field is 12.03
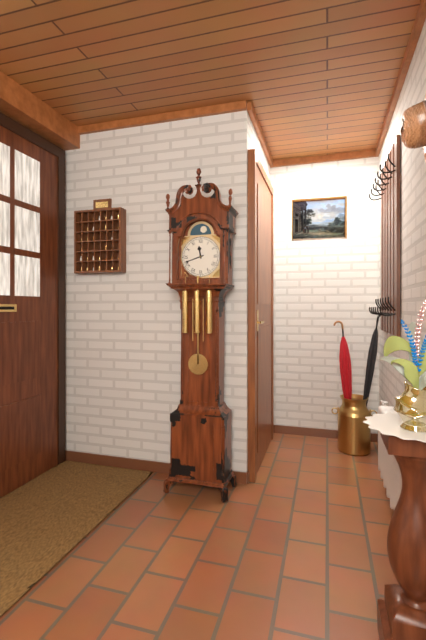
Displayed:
11.42
